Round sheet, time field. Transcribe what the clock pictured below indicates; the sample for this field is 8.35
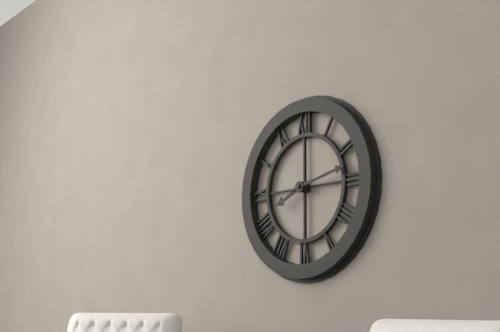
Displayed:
8.13
